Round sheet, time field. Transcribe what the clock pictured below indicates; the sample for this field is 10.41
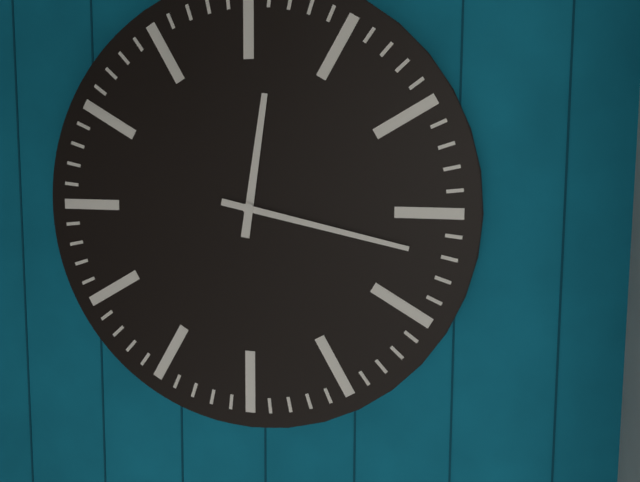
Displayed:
12.17
